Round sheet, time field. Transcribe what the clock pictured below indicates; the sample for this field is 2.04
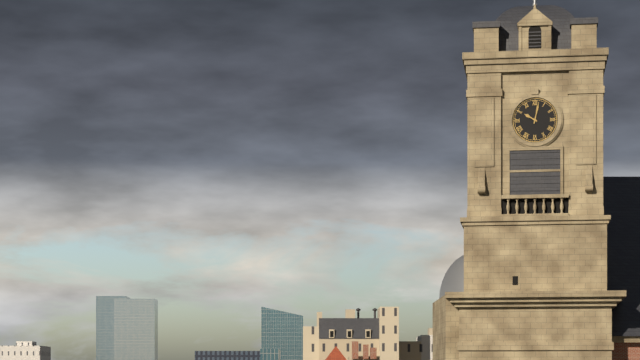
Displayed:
10.02
